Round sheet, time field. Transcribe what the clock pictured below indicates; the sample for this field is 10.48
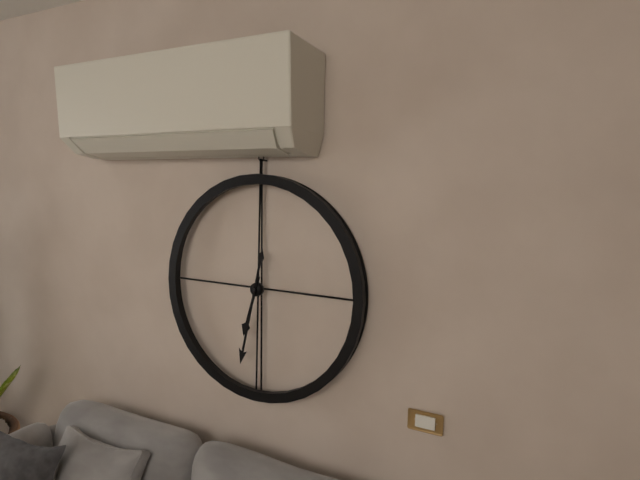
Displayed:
6.32
